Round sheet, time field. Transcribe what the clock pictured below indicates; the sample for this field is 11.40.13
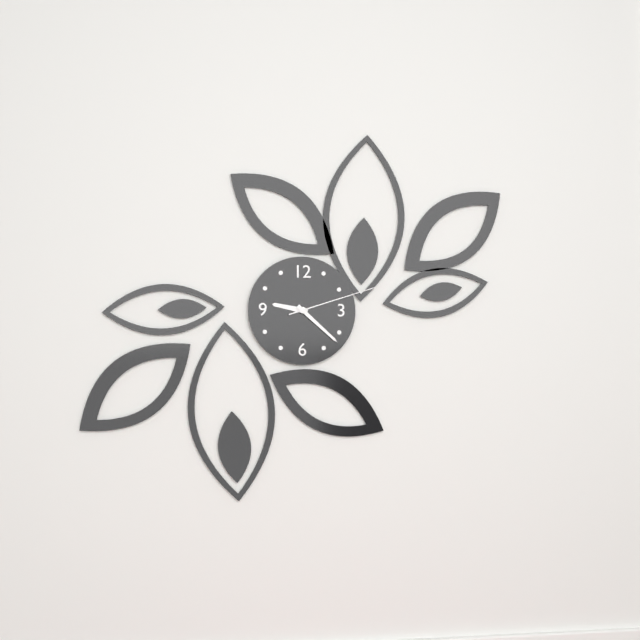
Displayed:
9.22.12
